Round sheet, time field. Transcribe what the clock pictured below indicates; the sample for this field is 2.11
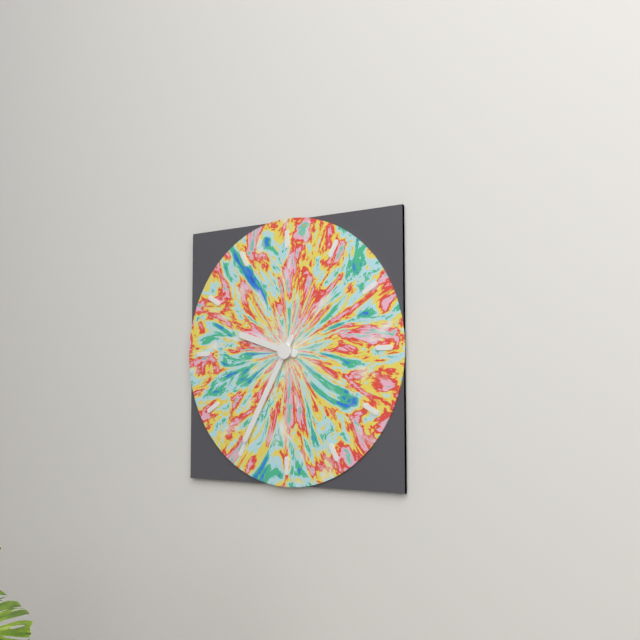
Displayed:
9.35
